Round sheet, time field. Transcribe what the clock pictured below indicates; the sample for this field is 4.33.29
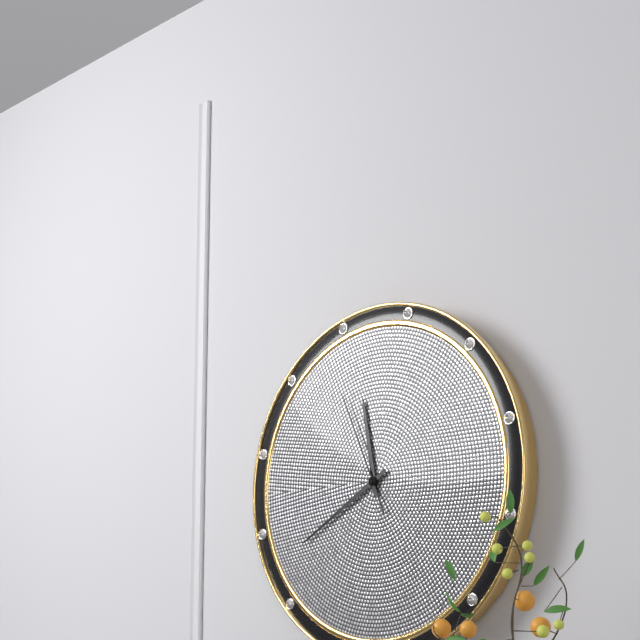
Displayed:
11.40.56
